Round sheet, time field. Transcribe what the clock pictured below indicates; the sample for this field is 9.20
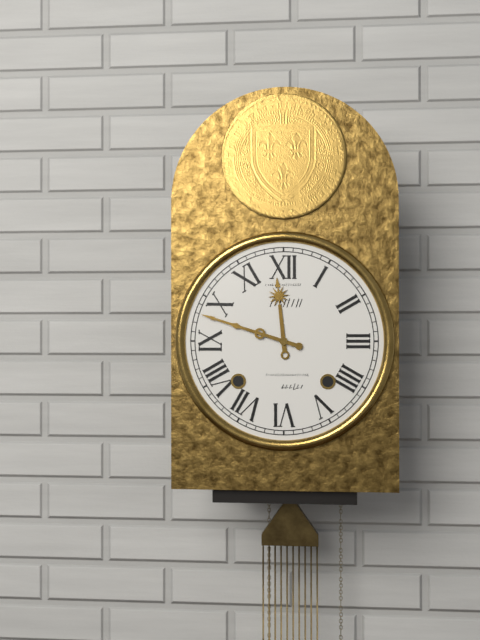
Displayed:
11.48
